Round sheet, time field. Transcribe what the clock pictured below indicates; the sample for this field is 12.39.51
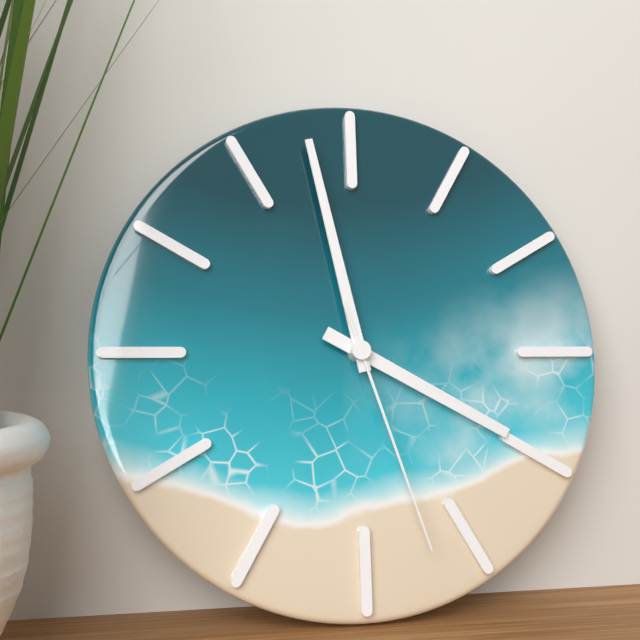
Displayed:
3.58.27
